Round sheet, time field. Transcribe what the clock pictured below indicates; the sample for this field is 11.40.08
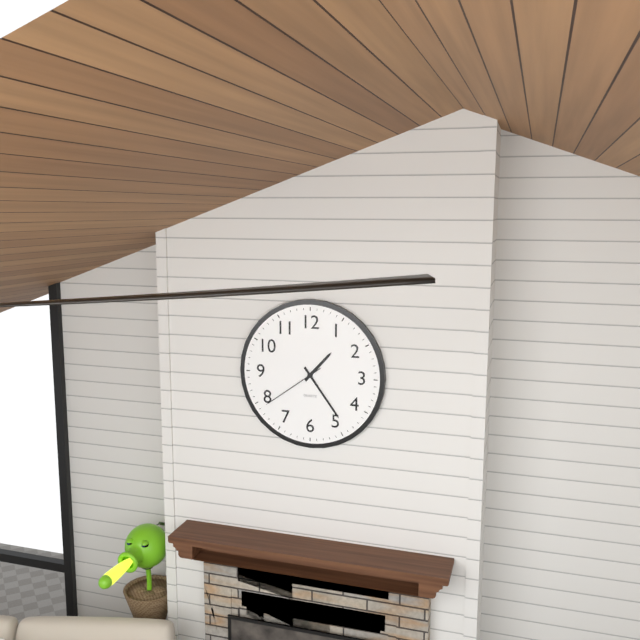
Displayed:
1.24.39
